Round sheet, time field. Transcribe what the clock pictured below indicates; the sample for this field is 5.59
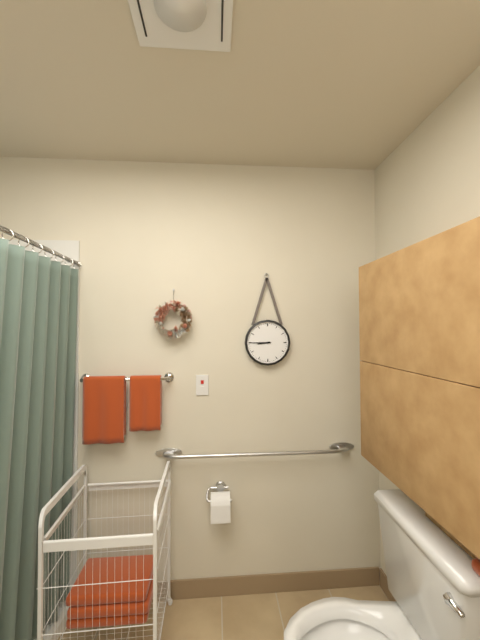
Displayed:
8.45
